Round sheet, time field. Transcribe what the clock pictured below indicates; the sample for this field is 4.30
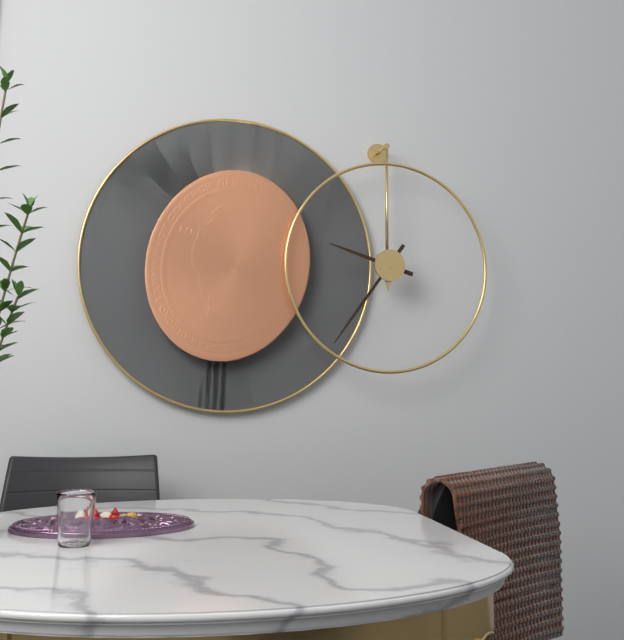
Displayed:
9.36
